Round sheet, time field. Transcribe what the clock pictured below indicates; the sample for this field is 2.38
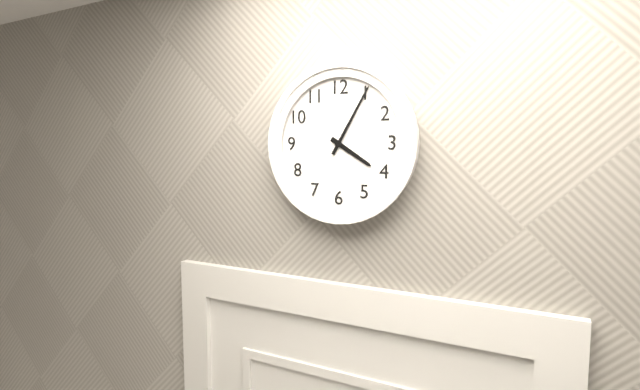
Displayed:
4.05
